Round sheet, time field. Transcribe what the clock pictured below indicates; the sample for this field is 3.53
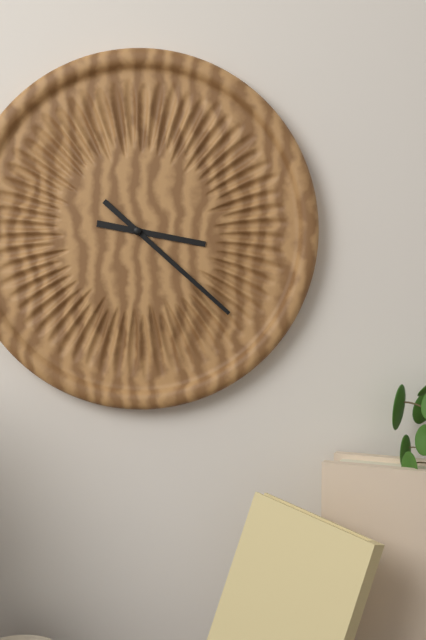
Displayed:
3.22
